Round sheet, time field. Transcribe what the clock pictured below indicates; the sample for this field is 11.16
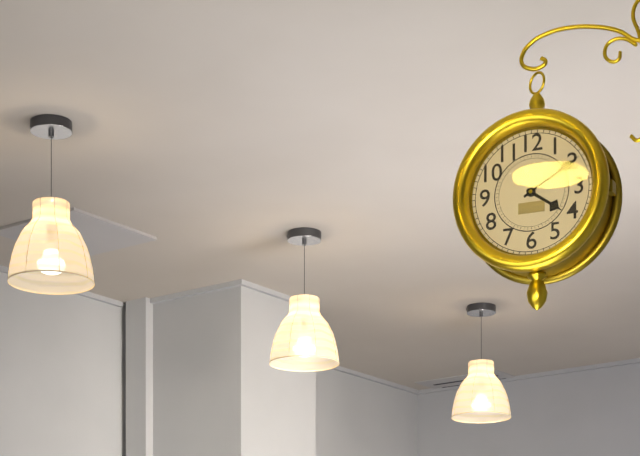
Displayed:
4.10
